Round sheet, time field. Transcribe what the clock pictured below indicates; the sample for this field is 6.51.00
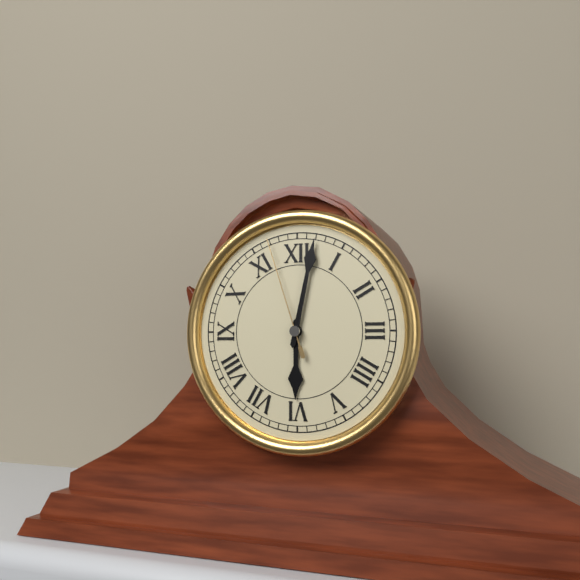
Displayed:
6.02.57
